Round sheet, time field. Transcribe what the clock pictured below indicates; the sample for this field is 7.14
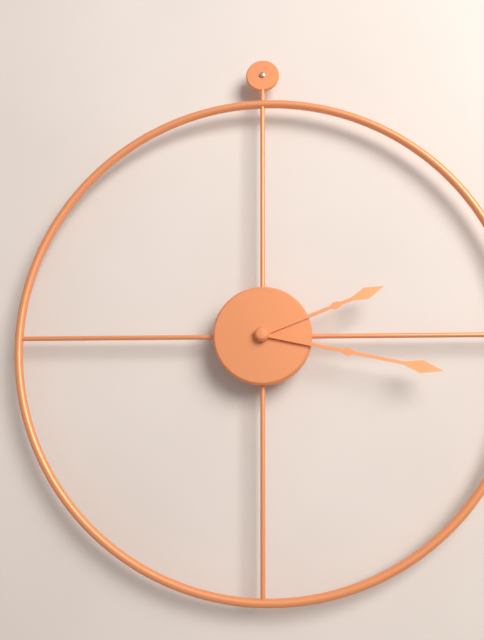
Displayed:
2.17
